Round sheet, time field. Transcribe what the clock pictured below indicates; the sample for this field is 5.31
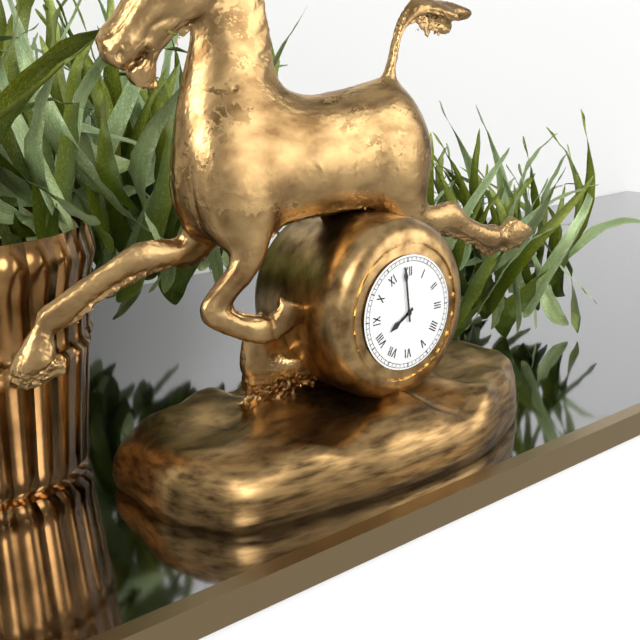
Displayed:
7.59
